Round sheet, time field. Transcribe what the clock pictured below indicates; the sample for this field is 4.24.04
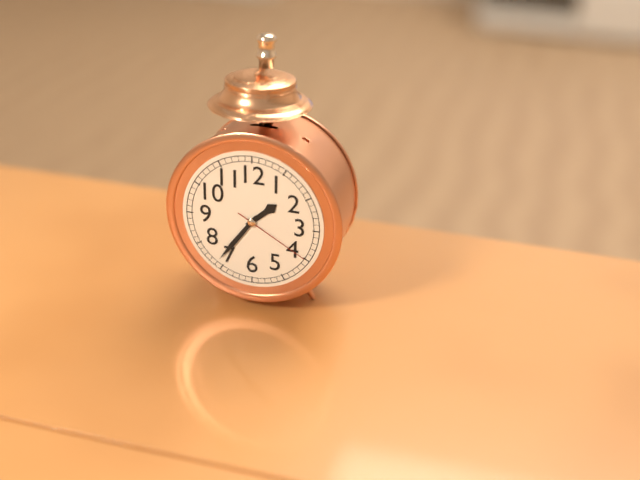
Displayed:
1.36.20
